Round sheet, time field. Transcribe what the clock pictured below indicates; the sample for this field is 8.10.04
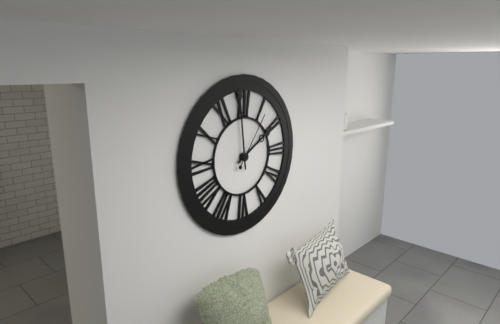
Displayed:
1.59.06
